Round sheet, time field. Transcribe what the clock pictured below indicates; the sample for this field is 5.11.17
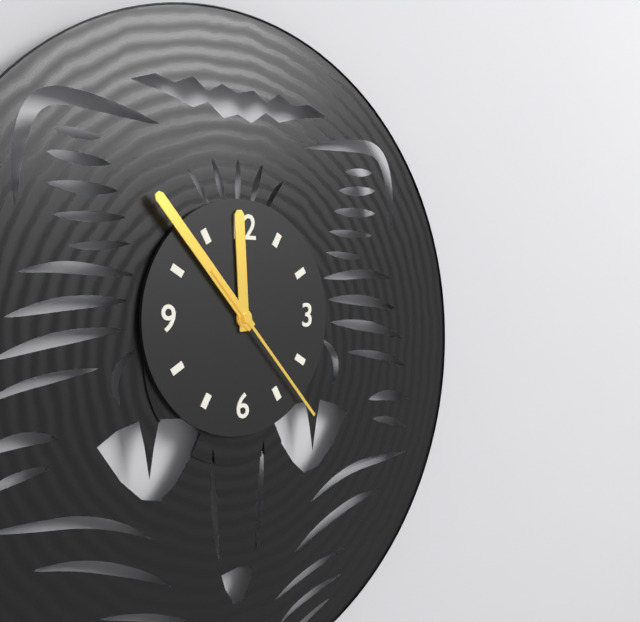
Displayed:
11.53.23
